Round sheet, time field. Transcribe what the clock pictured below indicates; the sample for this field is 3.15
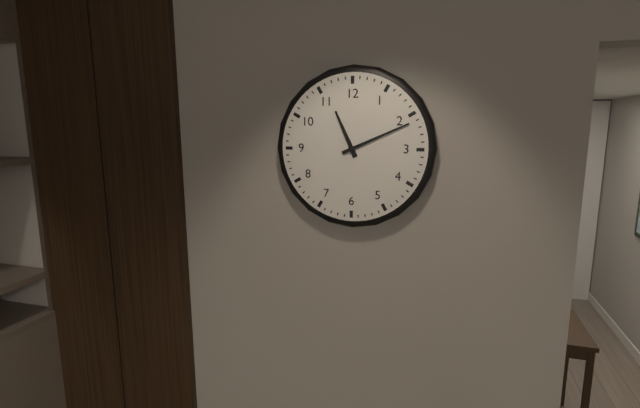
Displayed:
11.11
